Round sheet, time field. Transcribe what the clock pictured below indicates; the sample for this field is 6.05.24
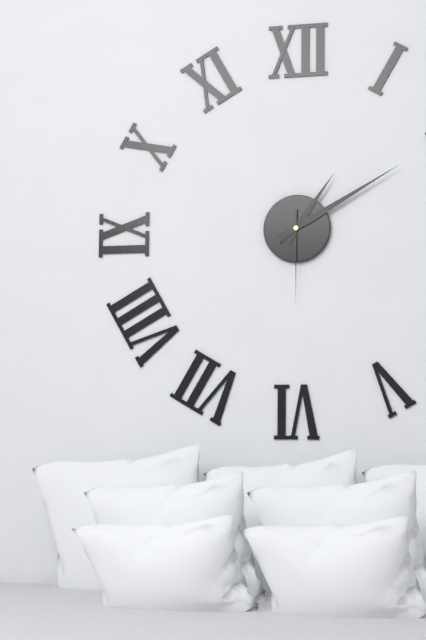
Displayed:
1.10.30
